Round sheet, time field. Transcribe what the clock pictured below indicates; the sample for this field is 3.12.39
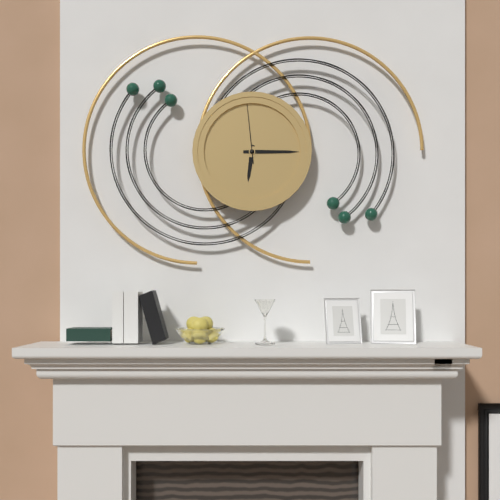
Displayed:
6.15.59
